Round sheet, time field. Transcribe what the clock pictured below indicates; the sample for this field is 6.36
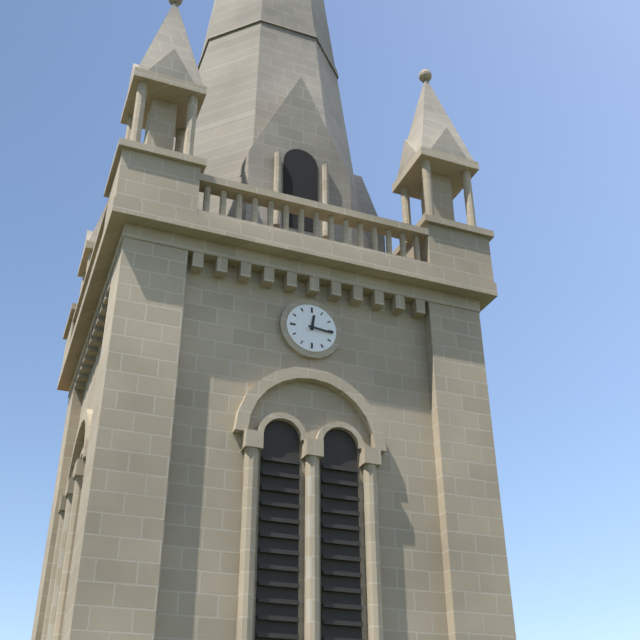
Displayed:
12.16
